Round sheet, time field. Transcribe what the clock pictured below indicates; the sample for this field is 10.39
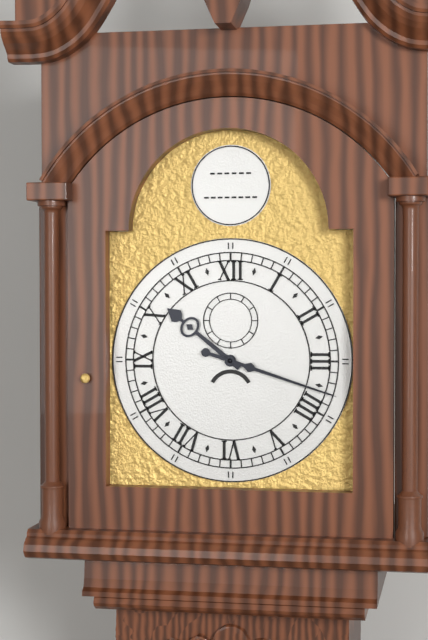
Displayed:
10.18
